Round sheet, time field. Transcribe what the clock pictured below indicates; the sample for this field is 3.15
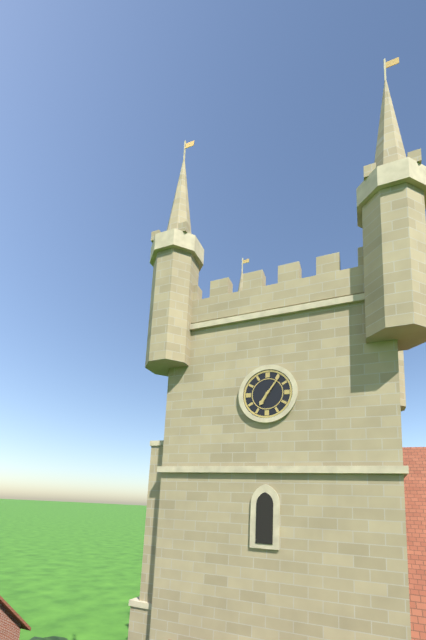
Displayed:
7.06
